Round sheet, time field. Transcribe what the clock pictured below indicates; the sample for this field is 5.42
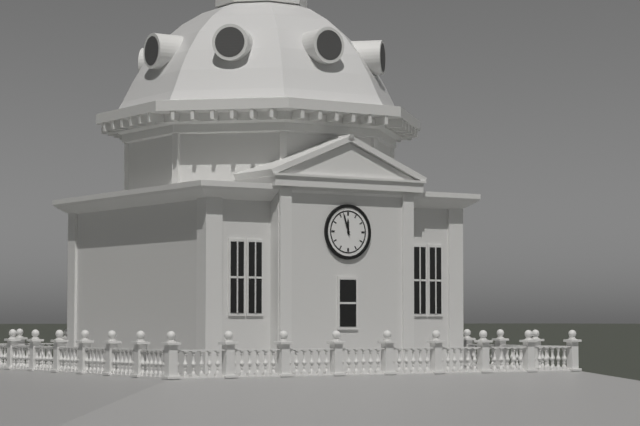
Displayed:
11.57
